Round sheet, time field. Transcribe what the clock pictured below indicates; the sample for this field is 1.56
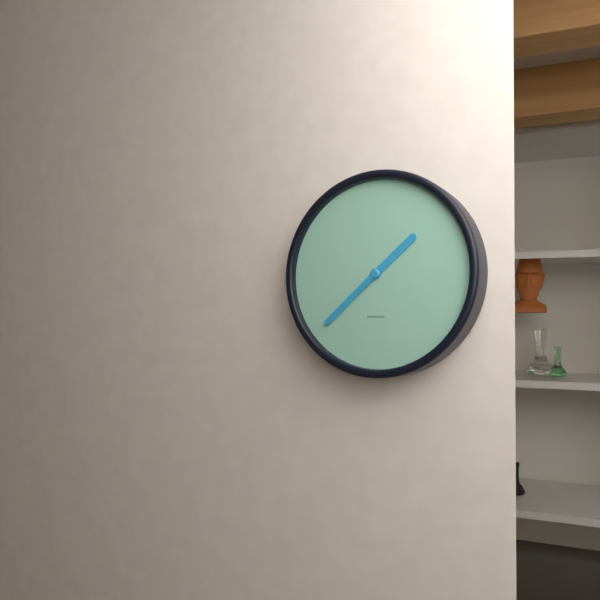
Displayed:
1.38
